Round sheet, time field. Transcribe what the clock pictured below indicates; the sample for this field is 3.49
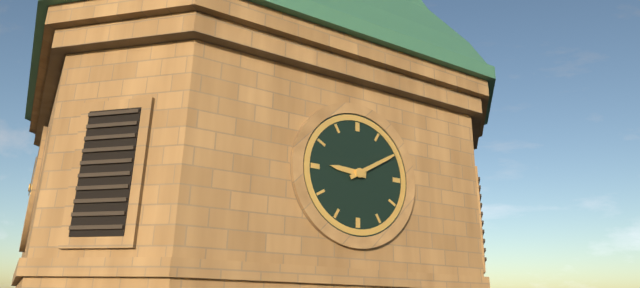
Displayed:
9.10
